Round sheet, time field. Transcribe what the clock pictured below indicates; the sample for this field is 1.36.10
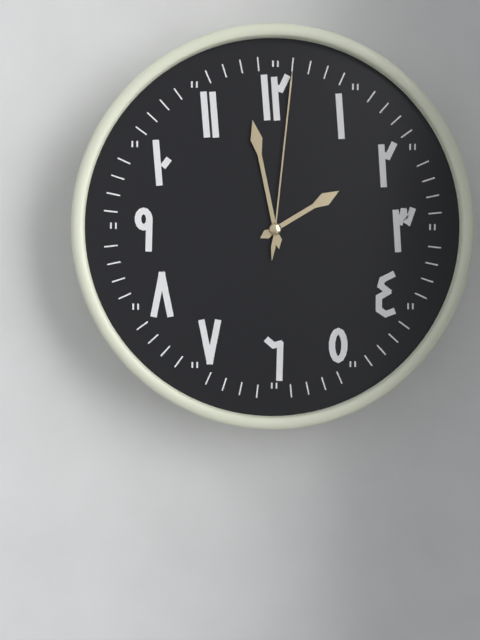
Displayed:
1.58.01
